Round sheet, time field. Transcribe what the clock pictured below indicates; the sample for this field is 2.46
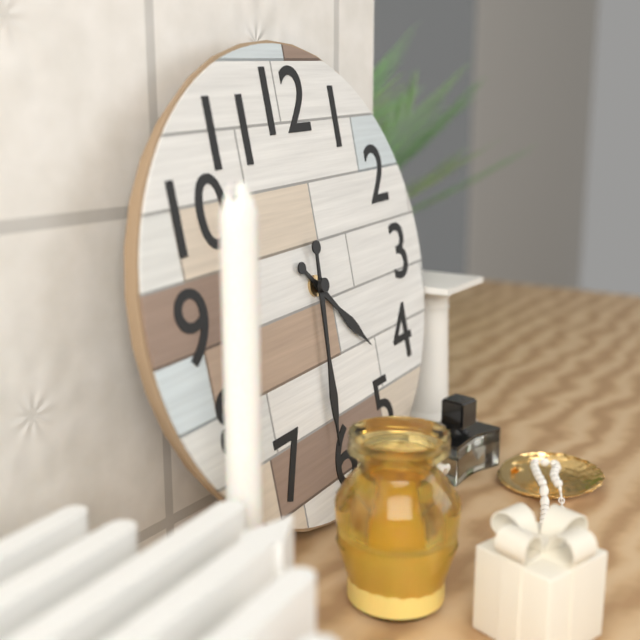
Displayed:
4.31
